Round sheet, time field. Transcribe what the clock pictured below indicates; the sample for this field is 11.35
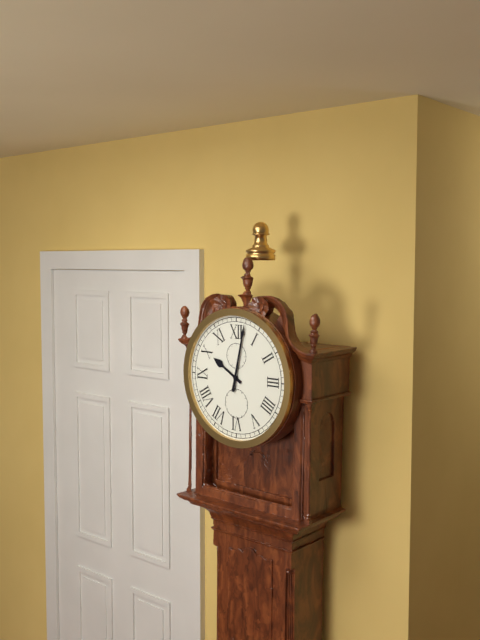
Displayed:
10.02
